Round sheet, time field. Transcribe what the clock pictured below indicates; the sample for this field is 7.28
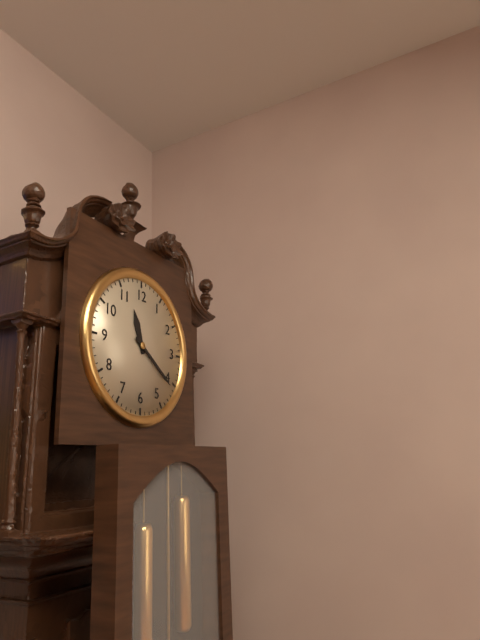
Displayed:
11.21
